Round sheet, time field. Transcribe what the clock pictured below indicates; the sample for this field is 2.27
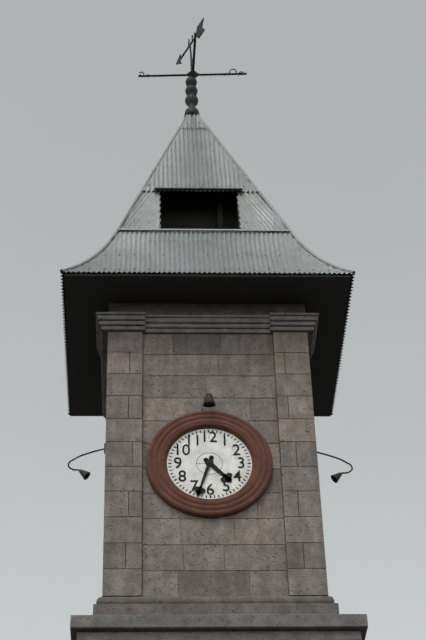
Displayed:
4.33
